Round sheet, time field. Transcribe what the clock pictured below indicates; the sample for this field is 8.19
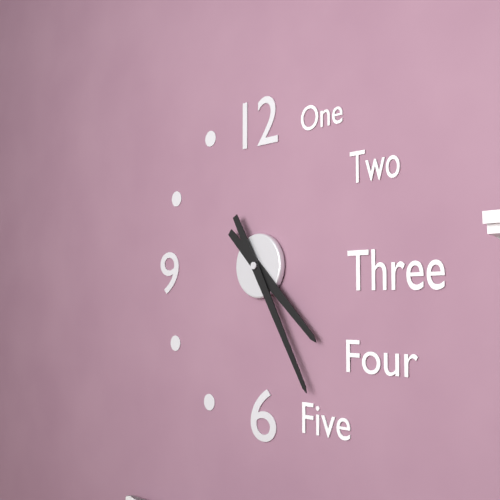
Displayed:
4.25
